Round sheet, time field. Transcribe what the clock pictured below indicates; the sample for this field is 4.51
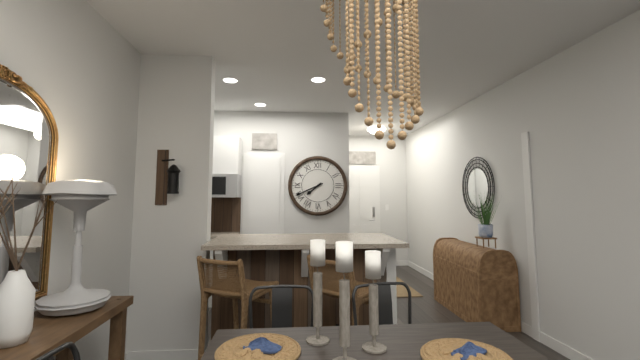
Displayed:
7.41
